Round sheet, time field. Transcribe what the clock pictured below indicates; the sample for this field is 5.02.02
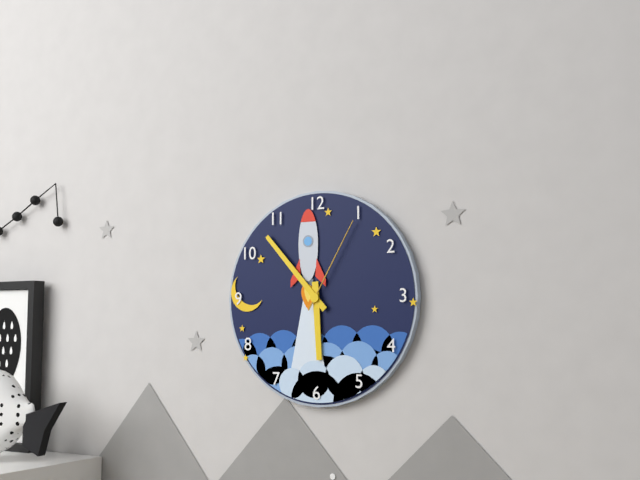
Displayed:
5.53.05
